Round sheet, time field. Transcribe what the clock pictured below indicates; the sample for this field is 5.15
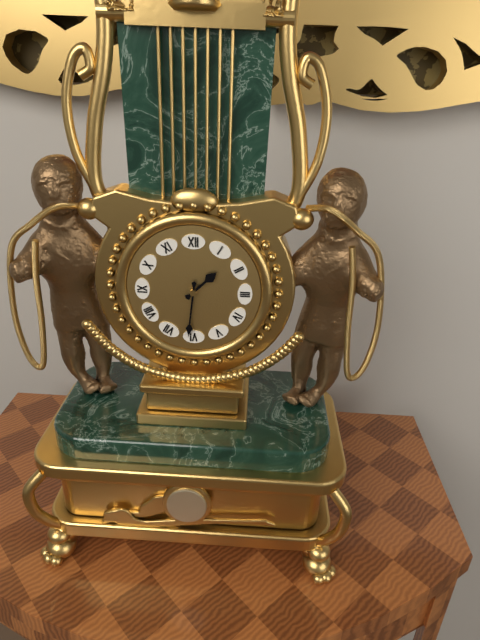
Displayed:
1.31
